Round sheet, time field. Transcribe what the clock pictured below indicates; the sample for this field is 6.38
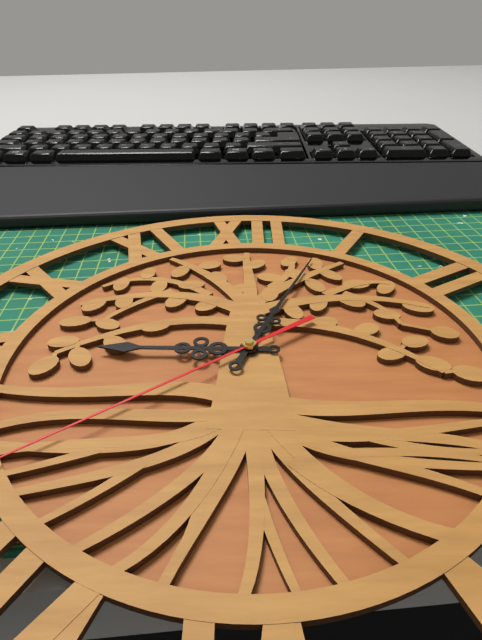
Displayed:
9.04
